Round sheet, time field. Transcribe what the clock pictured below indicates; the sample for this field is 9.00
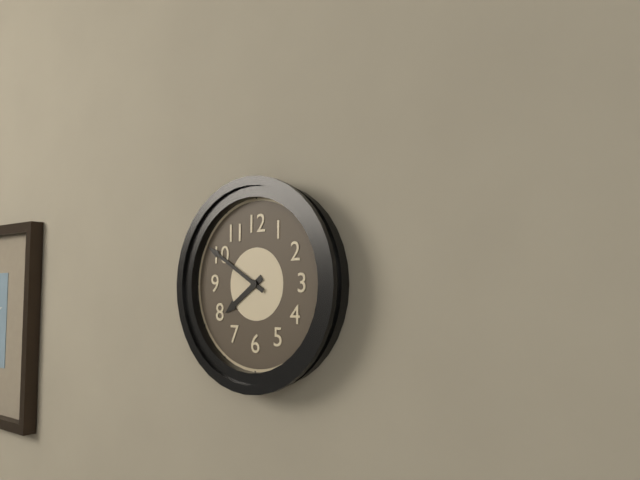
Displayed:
7.50
